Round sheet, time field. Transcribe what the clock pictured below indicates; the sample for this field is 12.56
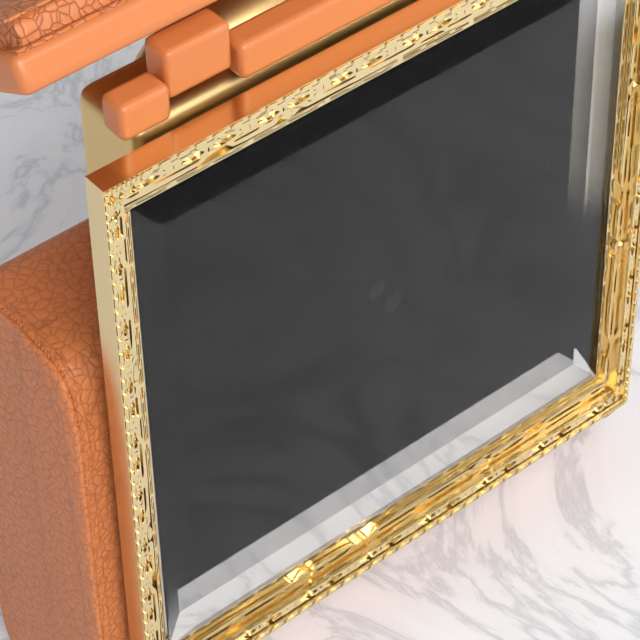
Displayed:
10.07
